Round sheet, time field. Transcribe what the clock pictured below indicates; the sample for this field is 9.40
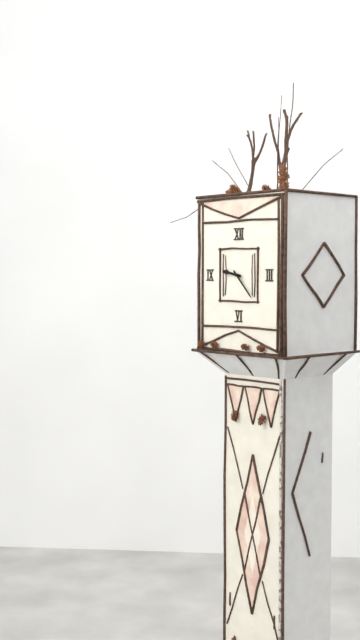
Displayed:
9.23
